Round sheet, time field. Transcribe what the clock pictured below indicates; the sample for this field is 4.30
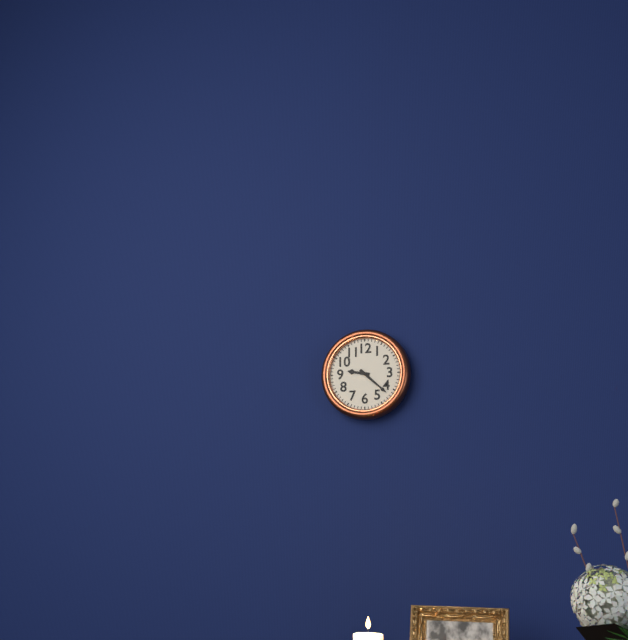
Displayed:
9.22
